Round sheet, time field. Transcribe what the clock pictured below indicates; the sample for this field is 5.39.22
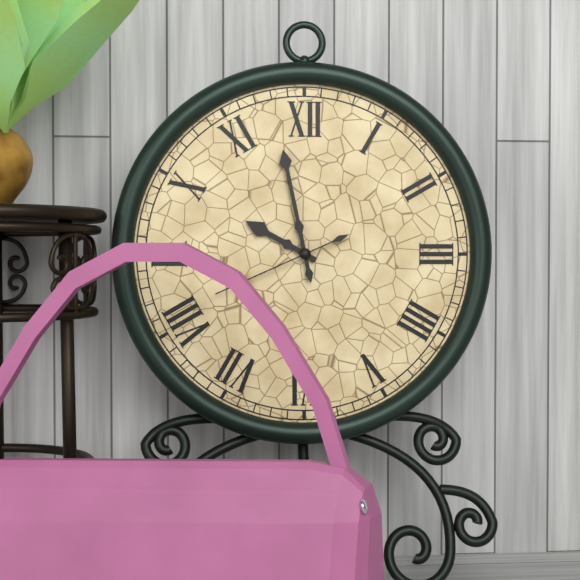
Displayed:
9.58.41
